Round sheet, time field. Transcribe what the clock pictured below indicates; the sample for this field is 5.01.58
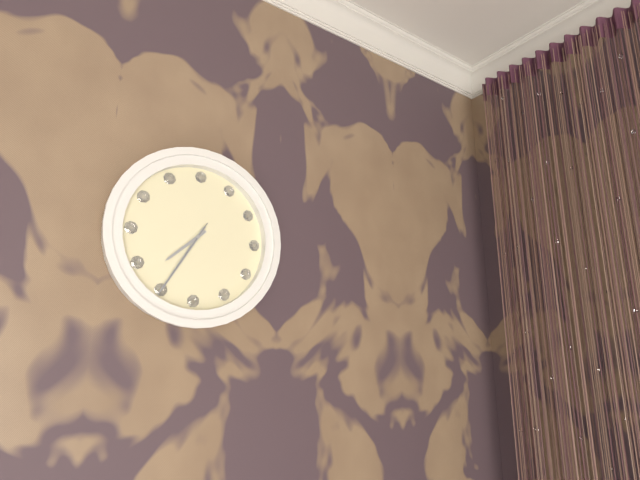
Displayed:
7.35.35
